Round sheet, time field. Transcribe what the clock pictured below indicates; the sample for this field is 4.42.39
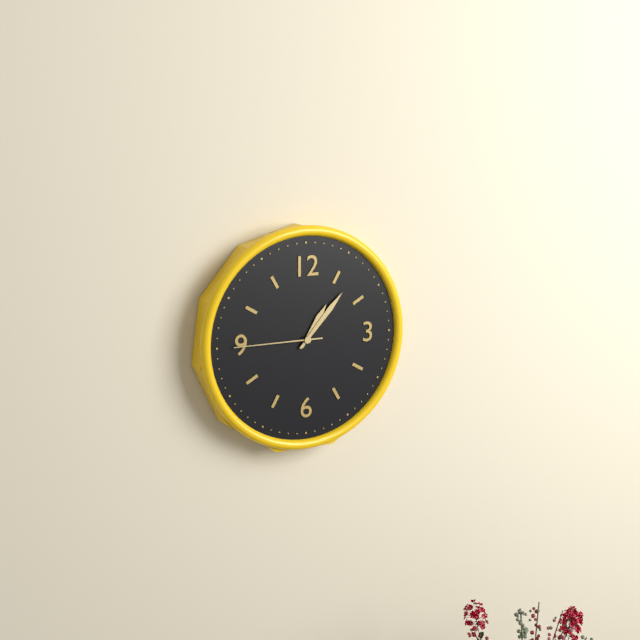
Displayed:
1.07.45
